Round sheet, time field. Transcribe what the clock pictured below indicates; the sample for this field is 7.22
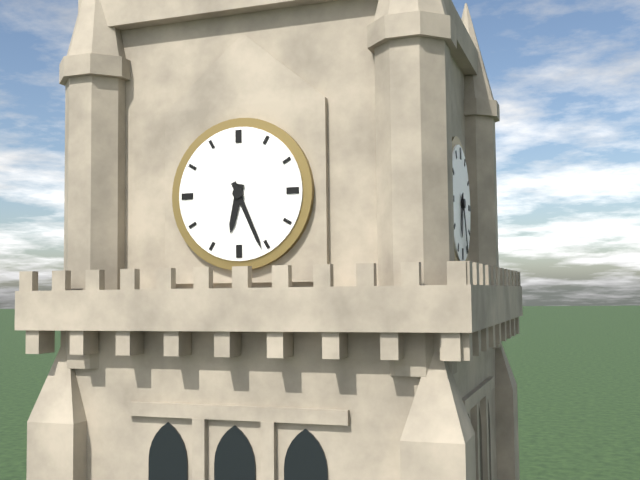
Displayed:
6.26
